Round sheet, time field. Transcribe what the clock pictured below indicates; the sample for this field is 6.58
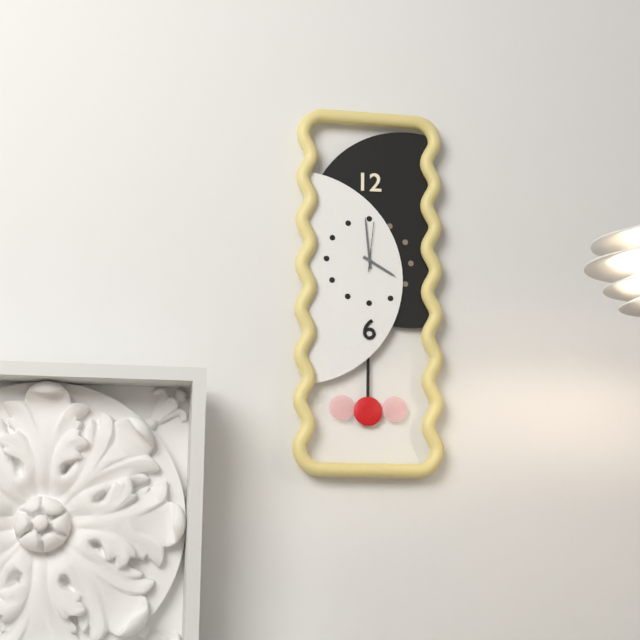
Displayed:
3.59
